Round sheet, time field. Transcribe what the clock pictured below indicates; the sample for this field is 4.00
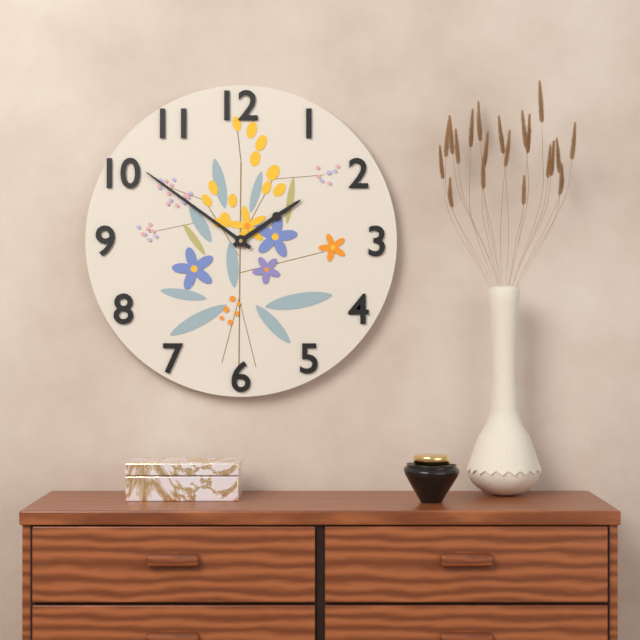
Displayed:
1.51
